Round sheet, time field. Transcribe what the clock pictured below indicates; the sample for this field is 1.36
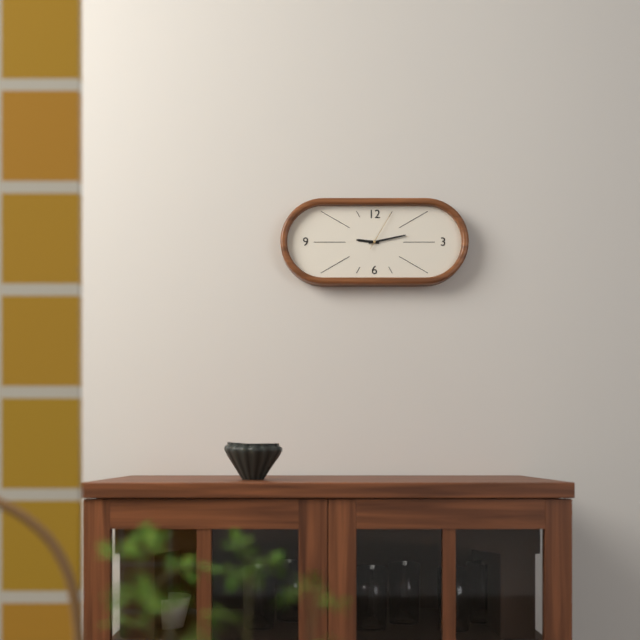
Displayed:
9.13
